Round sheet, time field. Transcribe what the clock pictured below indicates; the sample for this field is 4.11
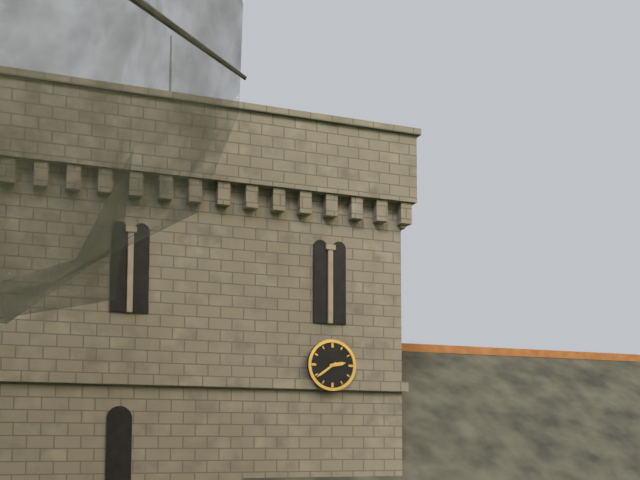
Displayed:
2.39
